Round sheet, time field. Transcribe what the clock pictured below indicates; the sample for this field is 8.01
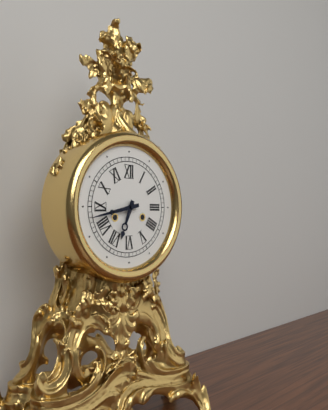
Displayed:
6.43
